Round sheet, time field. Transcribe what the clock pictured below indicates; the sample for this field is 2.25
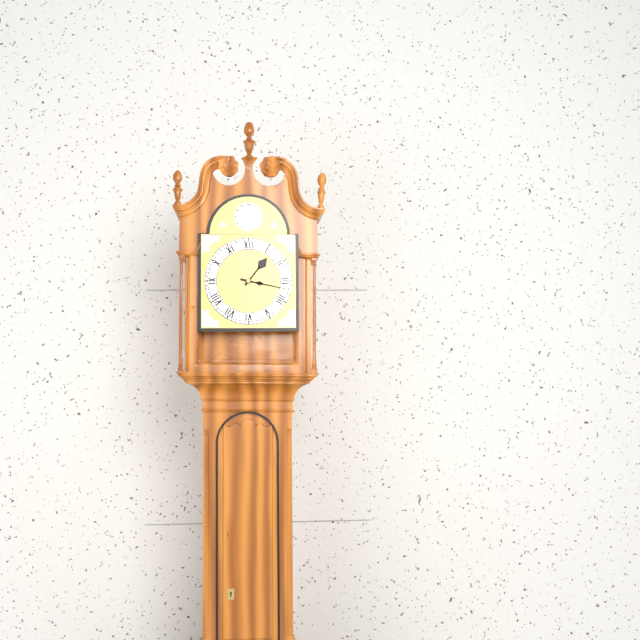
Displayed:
1.17
